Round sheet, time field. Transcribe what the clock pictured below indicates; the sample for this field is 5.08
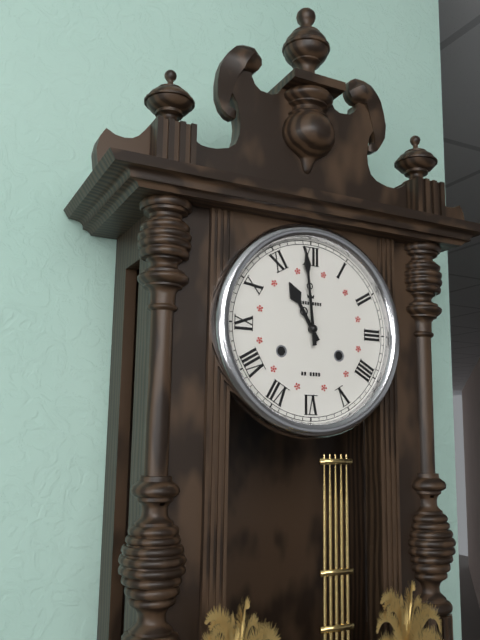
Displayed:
10.59
